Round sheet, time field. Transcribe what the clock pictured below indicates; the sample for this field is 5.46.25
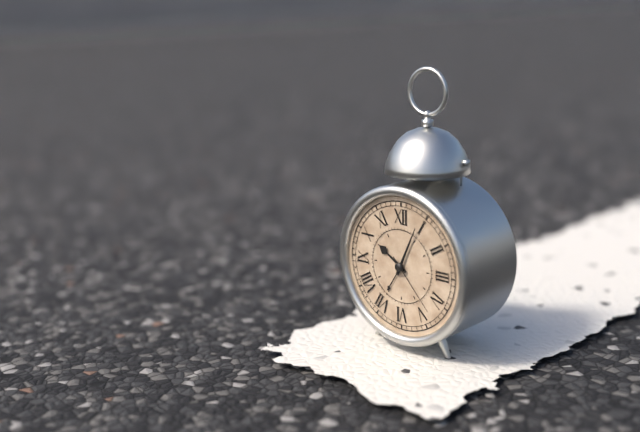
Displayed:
10.04.23
